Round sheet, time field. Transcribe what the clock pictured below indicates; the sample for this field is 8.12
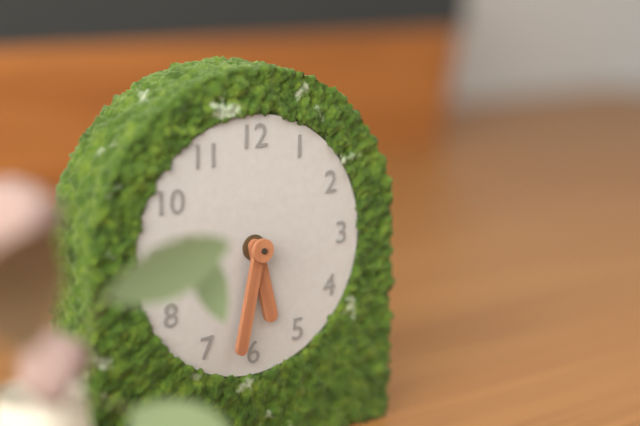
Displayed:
5.32
